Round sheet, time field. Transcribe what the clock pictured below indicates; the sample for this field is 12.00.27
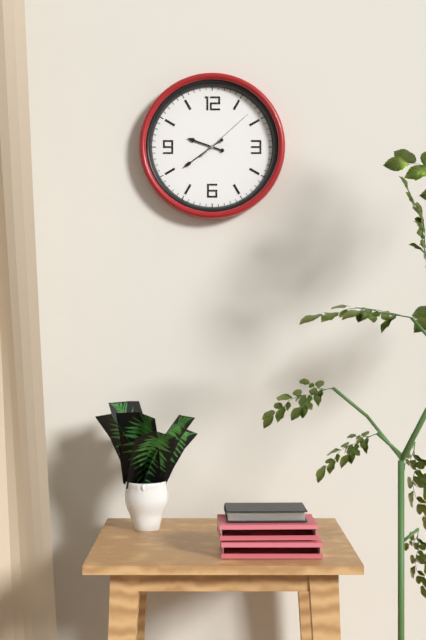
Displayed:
9.39.08
